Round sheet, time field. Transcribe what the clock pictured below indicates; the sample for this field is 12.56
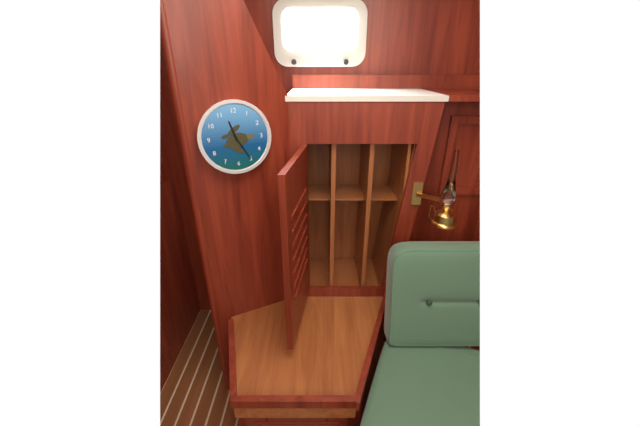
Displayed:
11.25
